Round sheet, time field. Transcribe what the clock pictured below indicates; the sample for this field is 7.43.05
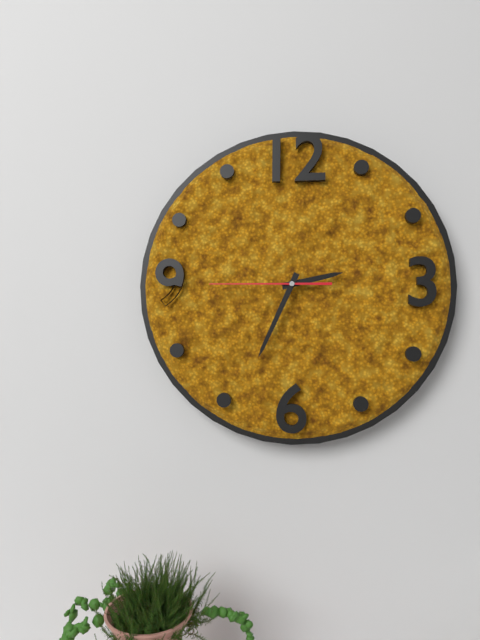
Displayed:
2.34.45
